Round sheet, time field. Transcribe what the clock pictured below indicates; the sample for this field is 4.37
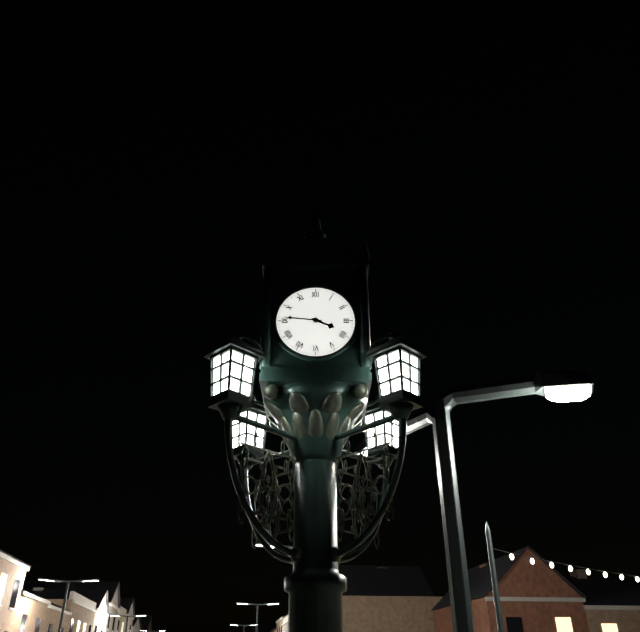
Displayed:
3.46
